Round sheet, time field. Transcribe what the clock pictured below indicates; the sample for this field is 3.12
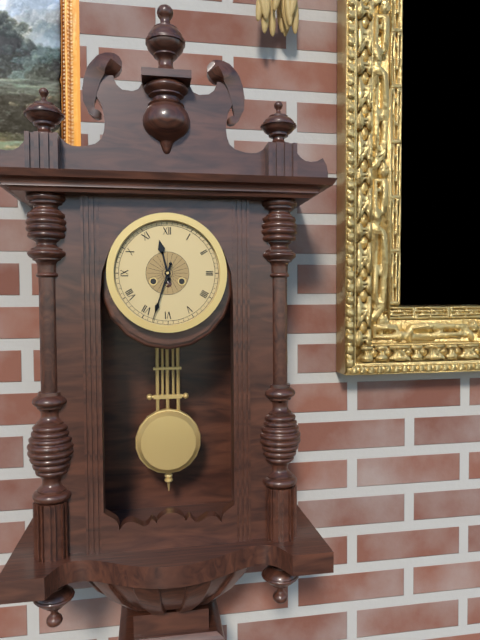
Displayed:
11.33
